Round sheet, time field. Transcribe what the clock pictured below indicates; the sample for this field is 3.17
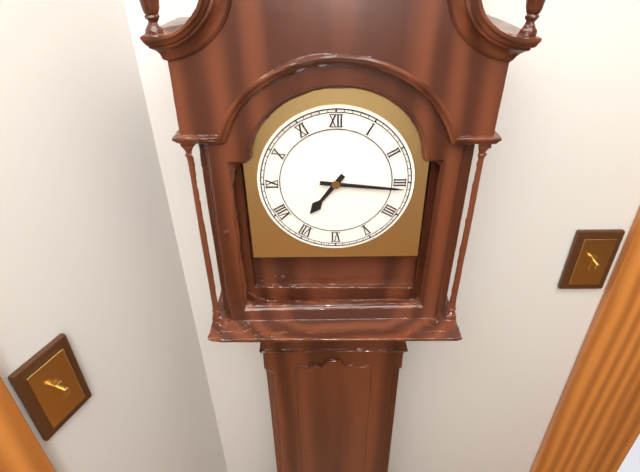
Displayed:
7.16
